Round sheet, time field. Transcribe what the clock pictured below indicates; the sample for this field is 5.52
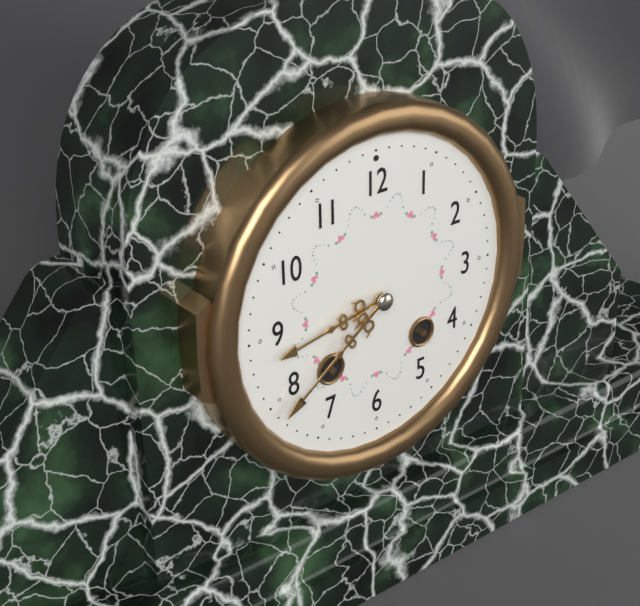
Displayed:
8.39
